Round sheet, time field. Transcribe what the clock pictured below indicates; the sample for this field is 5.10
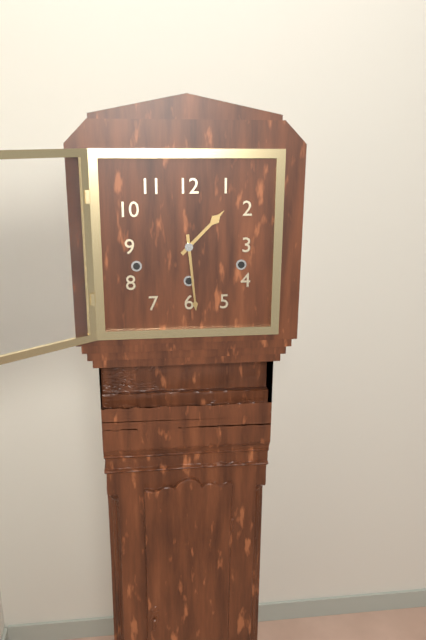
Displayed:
1.29
